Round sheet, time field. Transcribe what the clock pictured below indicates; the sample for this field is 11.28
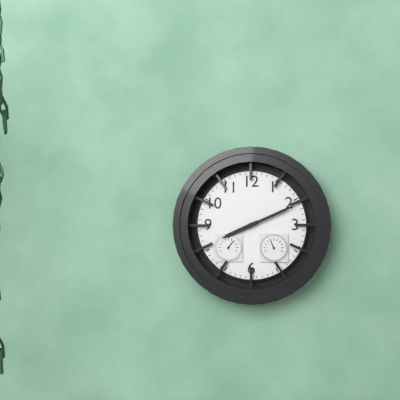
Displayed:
8.11
